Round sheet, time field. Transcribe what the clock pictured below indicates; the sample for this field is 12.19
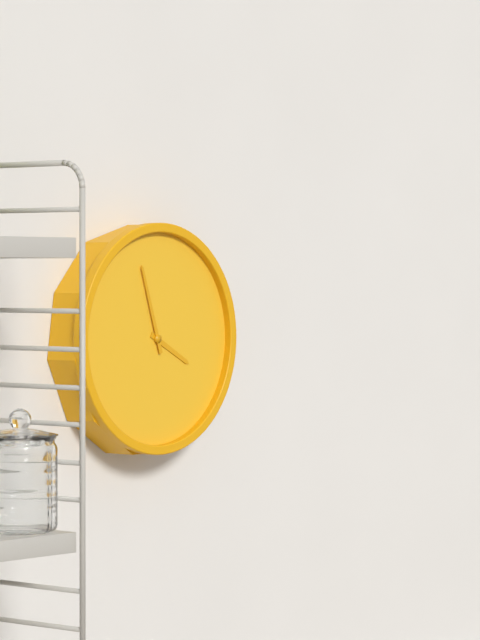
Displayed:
3.57
